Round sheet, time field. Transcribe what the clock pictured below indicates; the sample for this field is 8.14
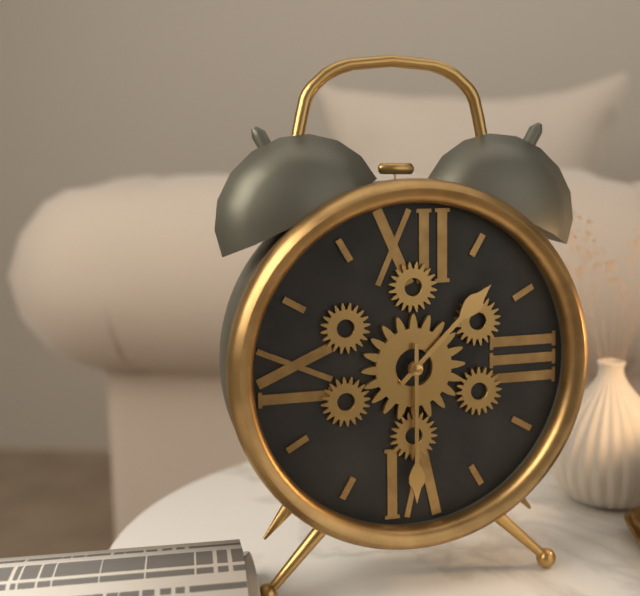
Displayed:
1.30
